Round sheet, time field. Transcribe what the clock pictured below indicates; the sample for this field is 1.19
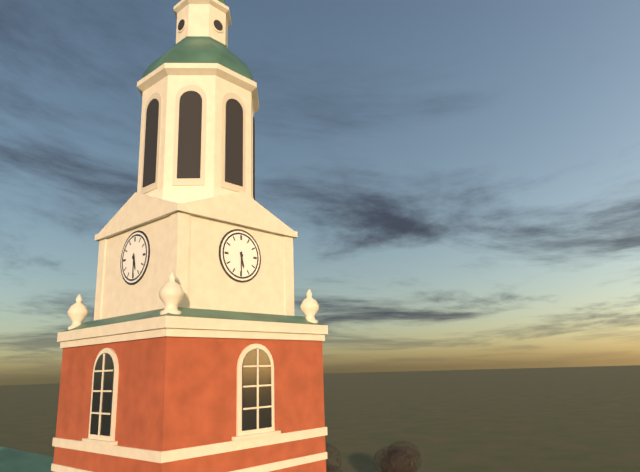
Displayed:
5.30
